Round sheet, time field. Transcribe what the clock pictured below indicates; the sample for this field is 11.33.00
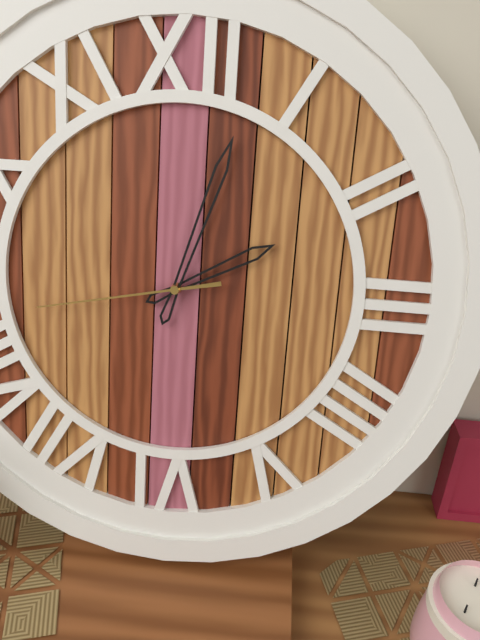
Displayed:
2.03.43
